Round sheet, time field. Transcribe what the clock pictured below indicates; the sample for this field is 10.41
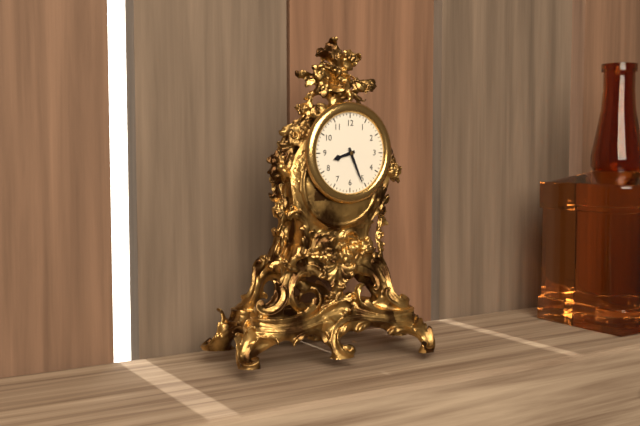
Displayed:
8.26
